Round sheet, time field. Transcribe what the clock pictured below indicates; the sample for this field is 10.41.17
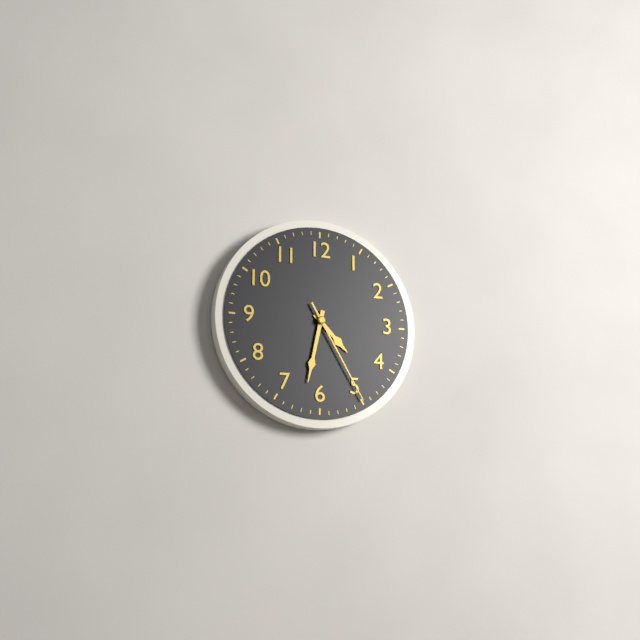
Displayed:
4.32.25
